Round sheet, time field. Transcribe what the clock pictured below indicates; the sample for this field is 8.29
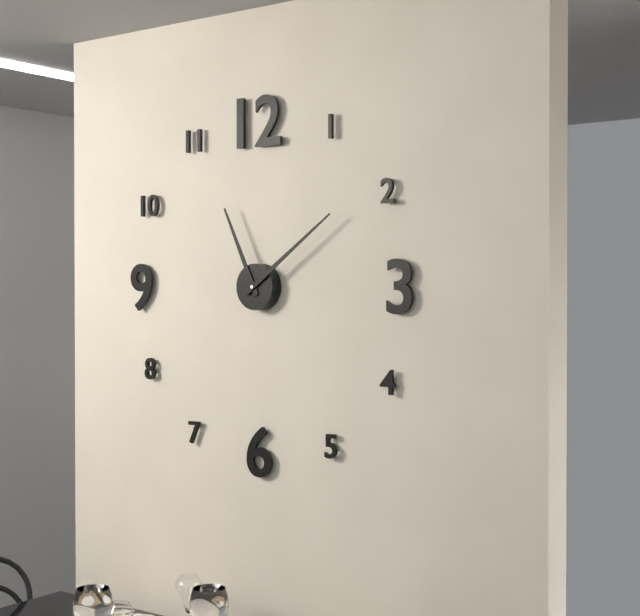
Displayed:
11.09
